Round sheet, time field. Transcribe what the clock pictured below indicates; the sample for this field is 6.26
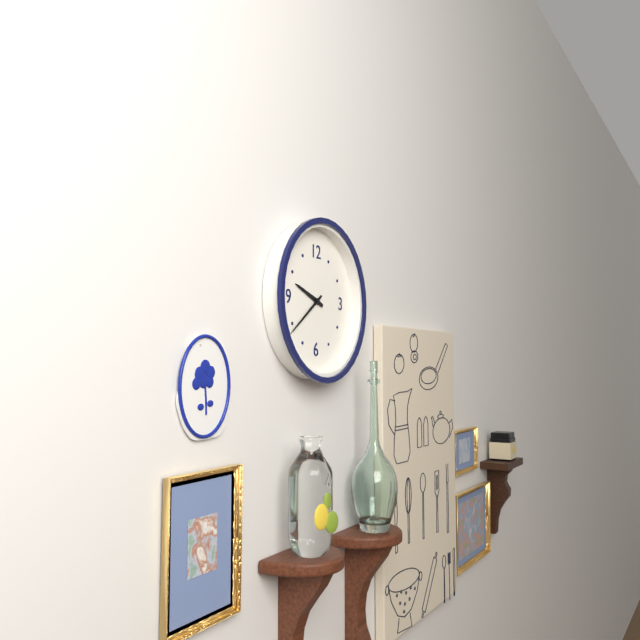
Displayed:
9.39
